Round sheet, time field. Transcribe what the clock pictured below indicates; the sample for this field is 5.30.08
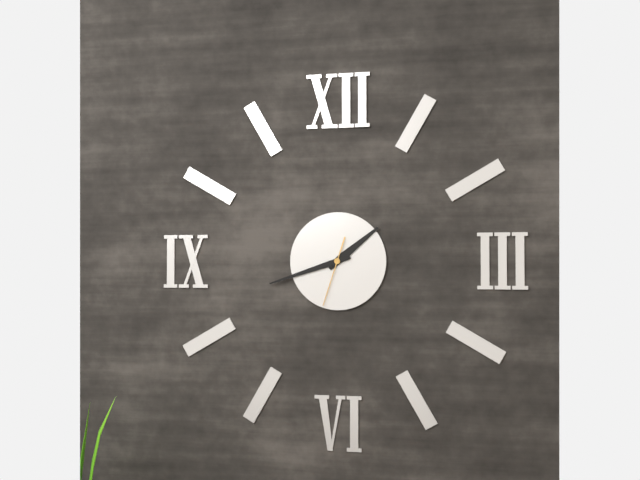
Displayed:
1.42.33
